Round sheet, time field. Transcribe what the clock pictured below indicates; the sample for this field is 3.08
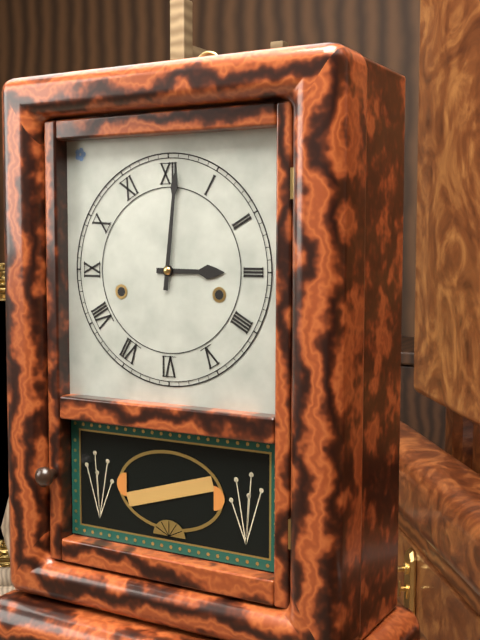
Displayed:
3.01
